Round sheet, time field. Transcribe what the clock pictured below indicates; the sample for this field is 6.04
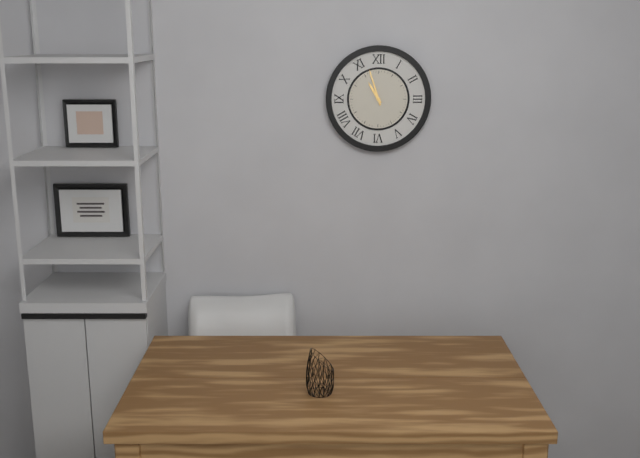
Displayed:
10.57
